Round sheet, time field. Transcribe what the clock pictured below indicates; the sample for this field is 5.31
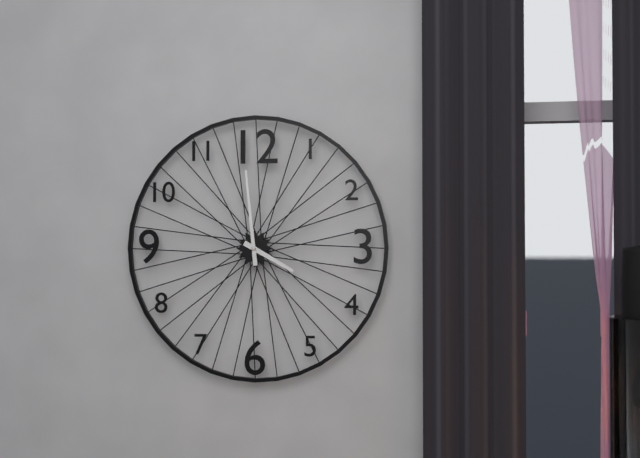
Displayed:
3.59
